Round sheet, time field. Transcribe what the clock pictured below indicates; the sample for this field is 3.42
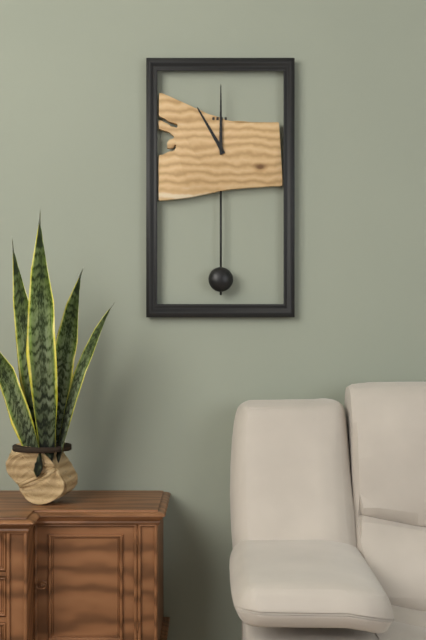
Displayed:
11.00
